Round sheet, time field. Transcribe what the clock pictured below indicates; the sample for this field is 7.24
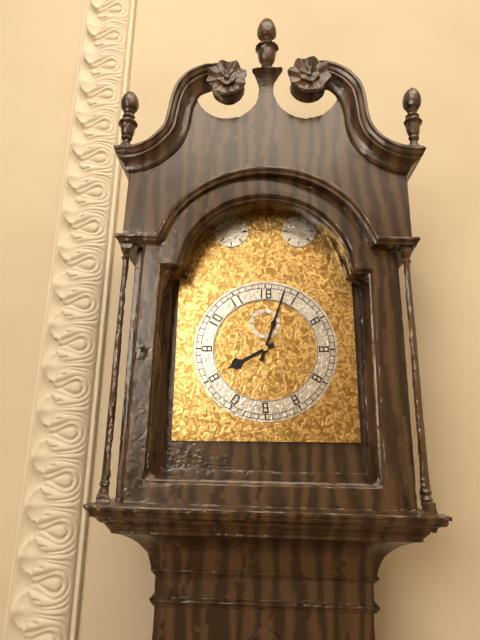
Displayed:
8.03
